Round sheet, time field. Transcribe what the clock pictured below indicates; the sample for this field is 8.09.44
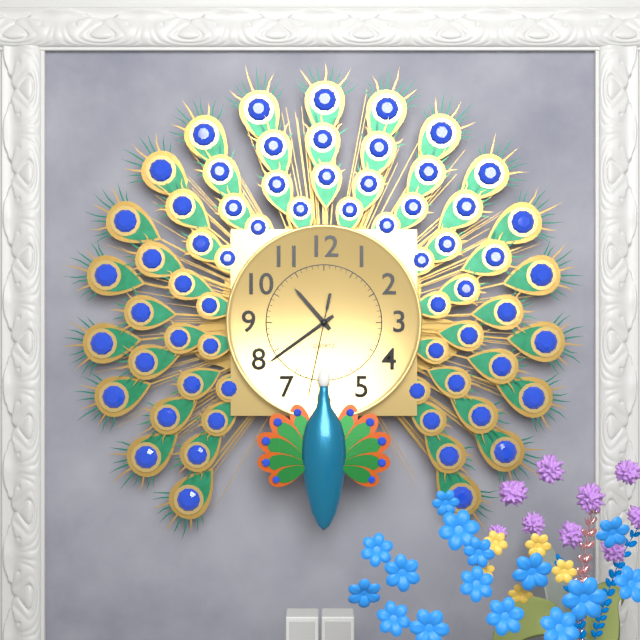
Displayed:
10.39.32
